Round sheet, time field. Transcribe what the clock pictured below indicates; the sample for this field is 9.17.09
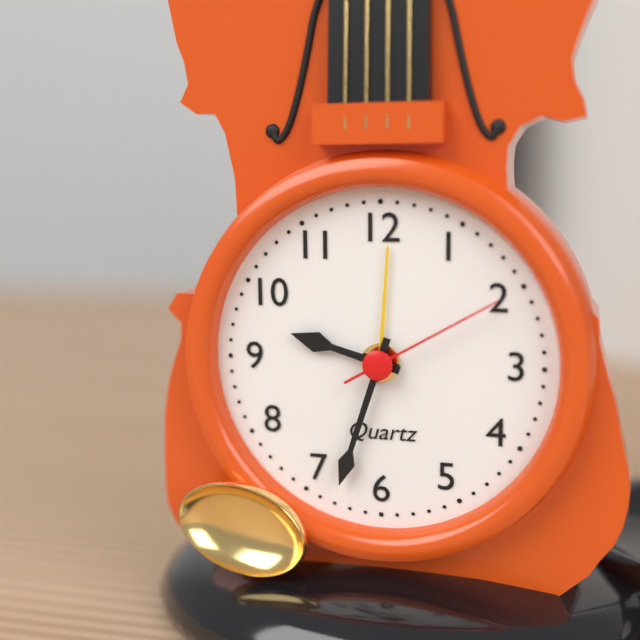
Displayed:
9.33.10
